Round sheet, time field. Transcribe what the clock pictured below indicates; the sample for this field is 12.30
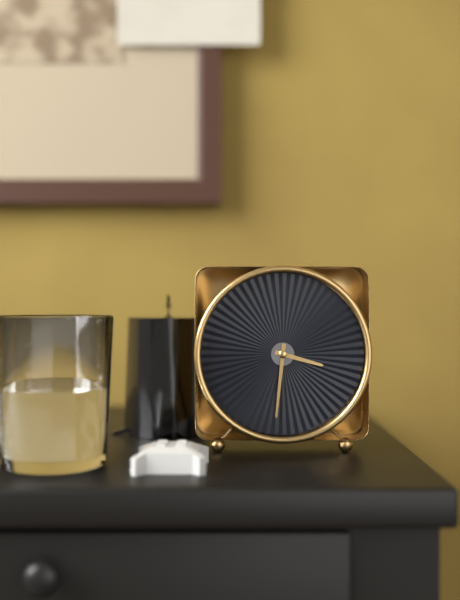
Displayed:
3.31
